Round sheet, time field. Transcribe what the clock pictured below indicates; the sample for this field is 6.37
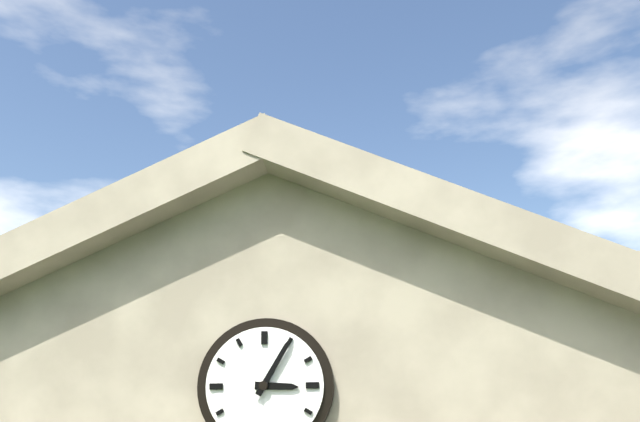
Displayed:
3.05
